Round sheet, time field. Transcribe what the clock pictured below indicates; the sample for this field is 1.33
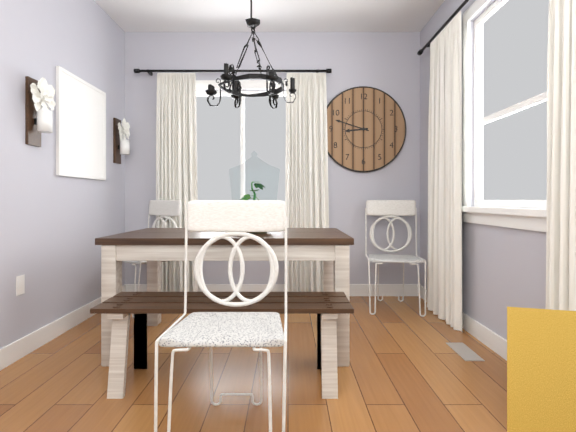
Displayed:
8.48
